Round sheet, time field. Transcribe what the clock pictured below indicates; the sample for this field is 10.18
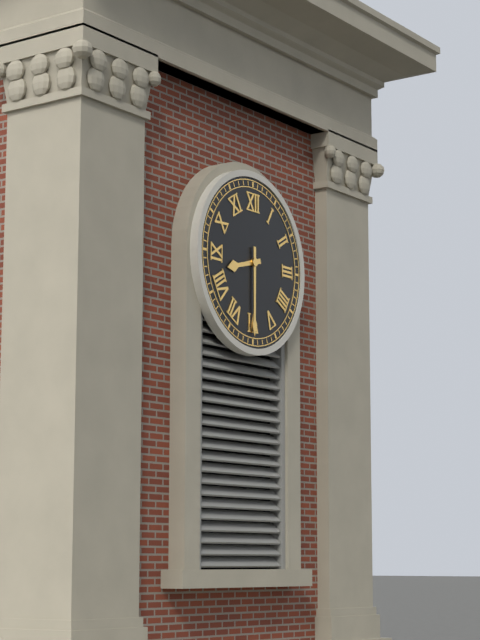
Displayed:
8.30
